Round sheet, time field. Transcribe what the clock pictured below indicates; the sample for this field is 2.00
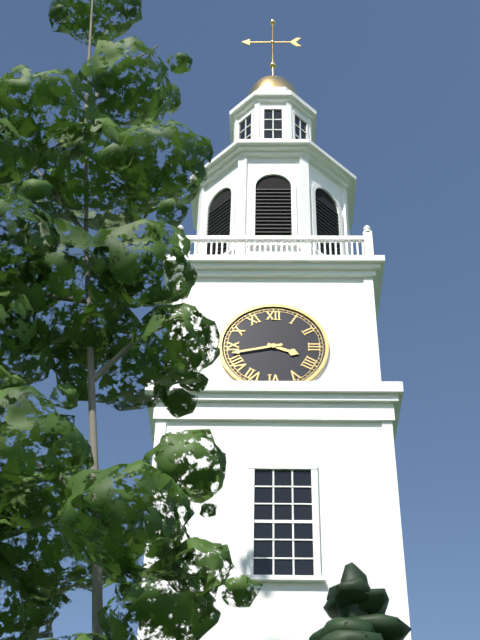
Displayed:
3.43
